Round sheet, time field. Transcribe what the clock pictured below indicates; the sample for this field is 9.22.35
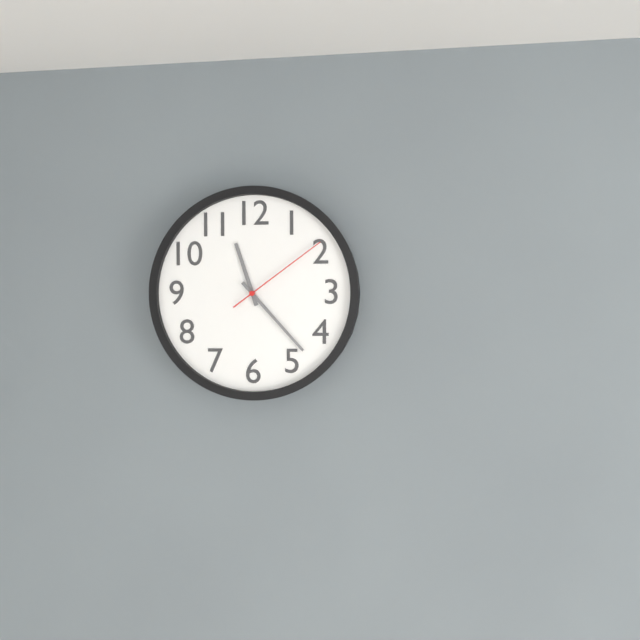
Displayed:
11.23.09
